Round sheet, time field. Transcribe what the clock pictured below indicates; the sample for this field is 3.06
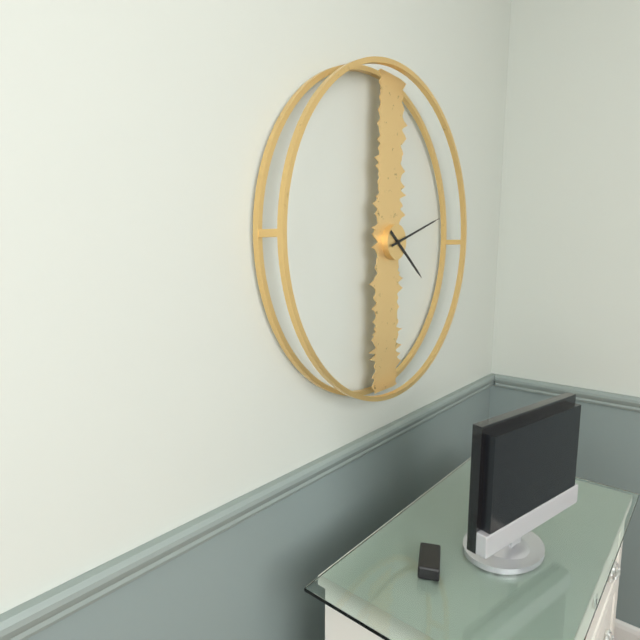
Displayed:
4.12
